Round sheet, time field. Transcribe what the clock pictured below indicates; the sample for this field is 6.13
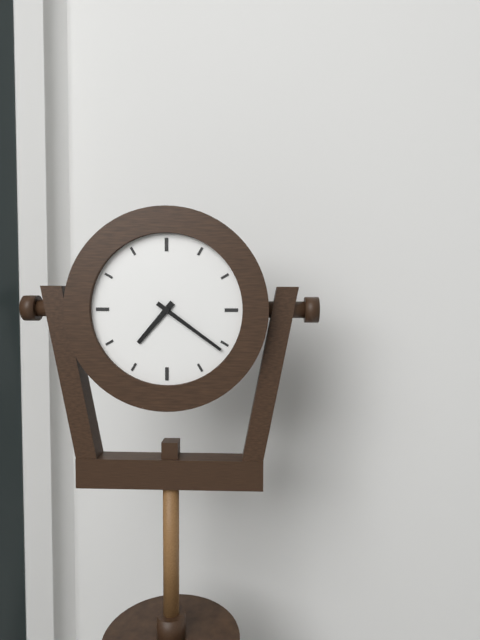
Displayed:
7.21
